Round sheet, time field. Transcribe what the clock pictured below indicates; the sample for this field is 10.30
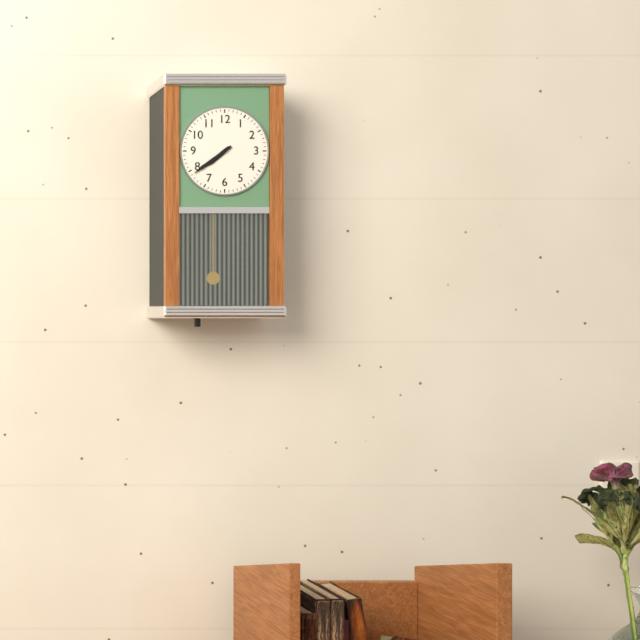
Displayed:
7.39
